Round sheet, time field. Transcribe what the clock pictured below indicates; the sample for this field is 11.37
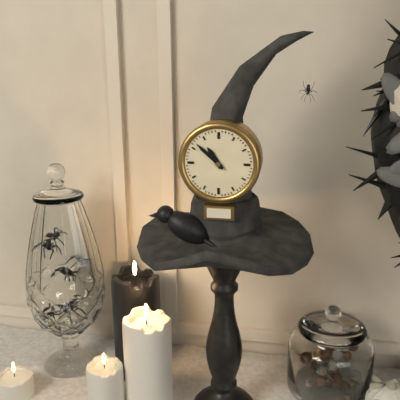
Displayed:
10.52
